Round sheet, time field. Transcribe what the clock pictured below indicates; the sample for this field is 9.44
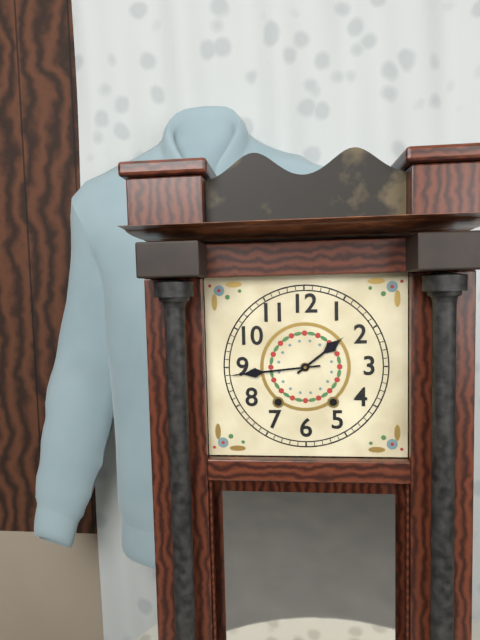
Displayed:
1.44
